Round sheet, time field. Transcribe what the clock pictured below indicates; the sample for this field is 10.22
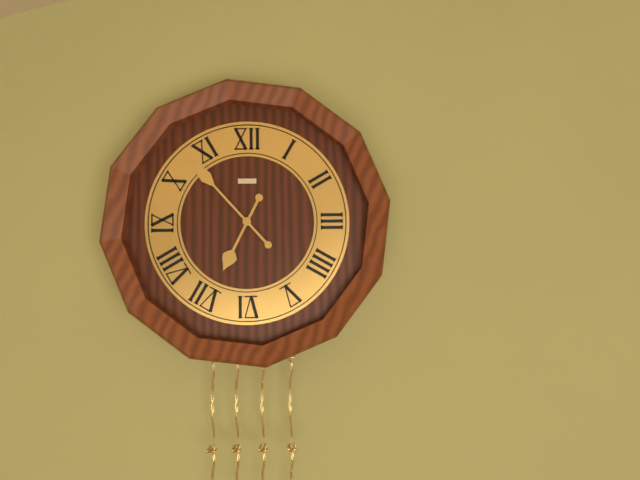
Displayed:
6.53
